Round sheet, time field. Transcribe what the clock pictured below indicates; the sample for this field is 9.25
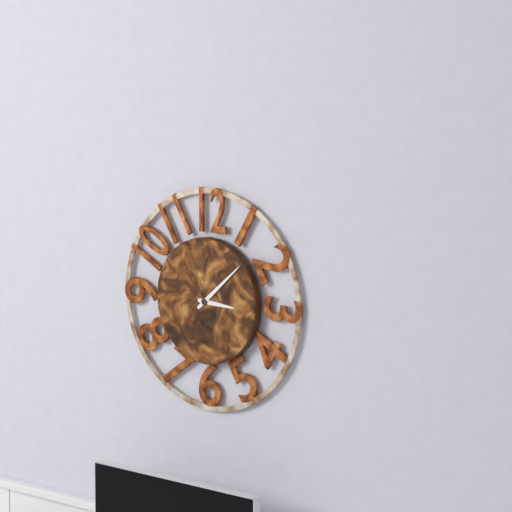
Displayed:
3.08
